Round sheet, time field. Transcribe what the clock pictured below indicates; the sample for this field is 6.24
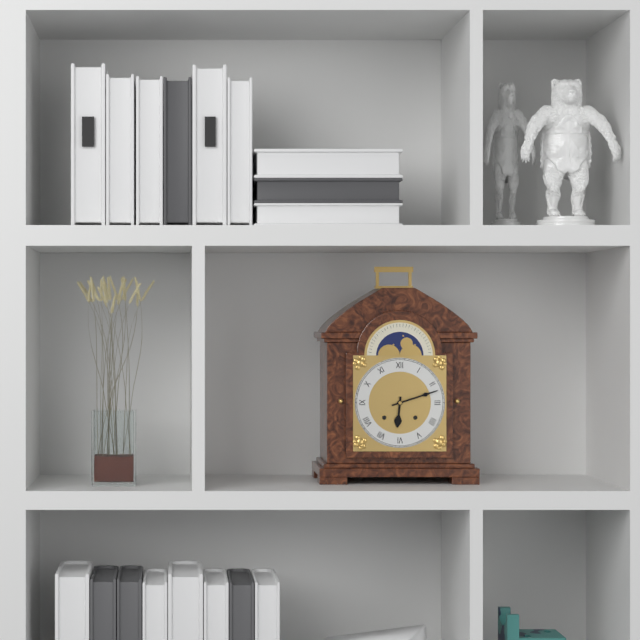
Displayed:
6.12
